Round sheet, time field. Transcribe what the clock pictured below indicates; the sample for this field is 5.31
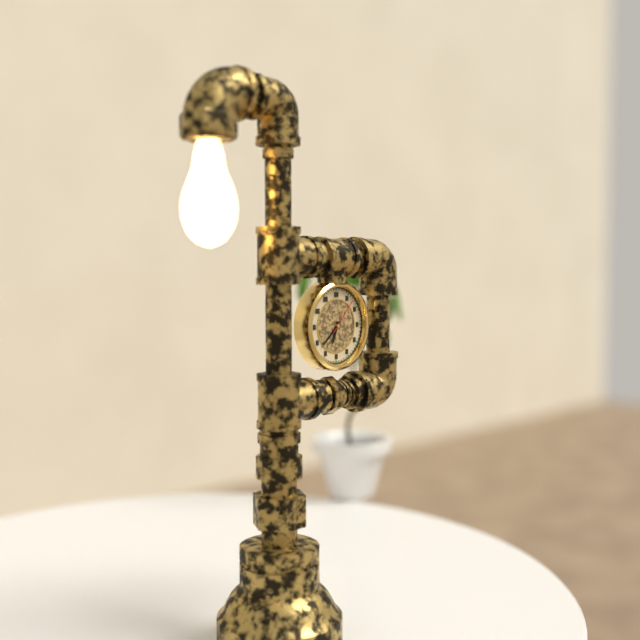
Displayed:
6.38
